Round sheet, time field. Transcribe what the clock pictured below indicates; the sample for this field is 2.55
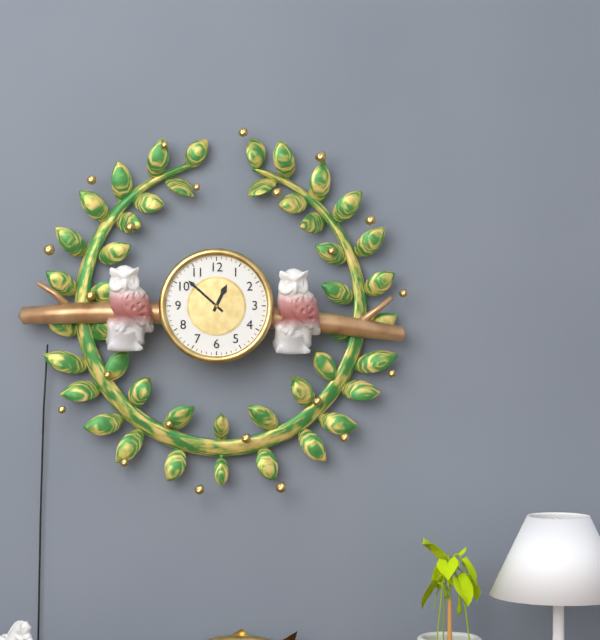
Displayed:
12.52
